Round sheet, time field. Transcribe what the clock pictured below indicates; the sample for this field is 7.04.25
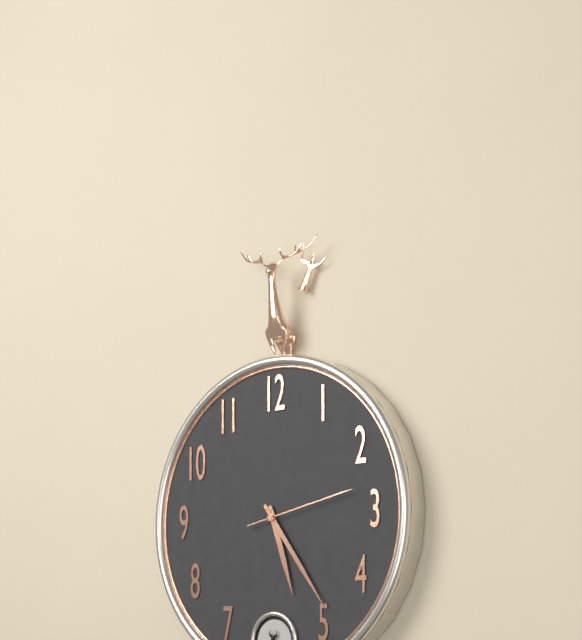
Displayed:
5.24.13
